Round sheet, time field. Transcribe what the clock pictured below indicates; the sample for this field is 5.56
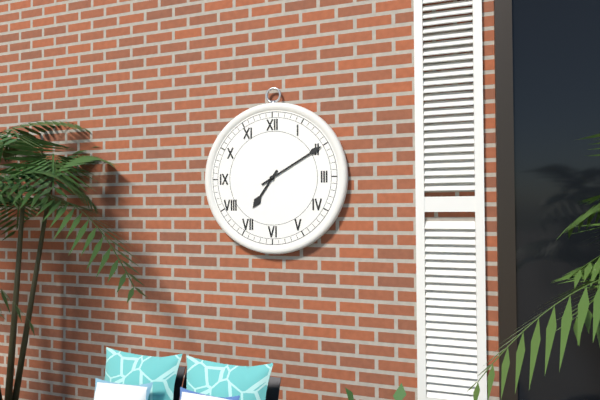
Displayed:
7.10
